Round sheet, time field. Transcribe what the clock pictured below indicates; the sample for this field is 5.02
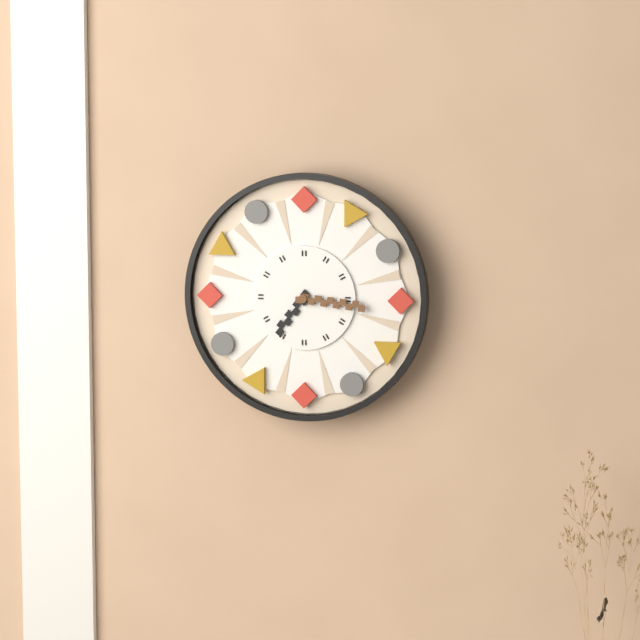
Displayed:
7.16
